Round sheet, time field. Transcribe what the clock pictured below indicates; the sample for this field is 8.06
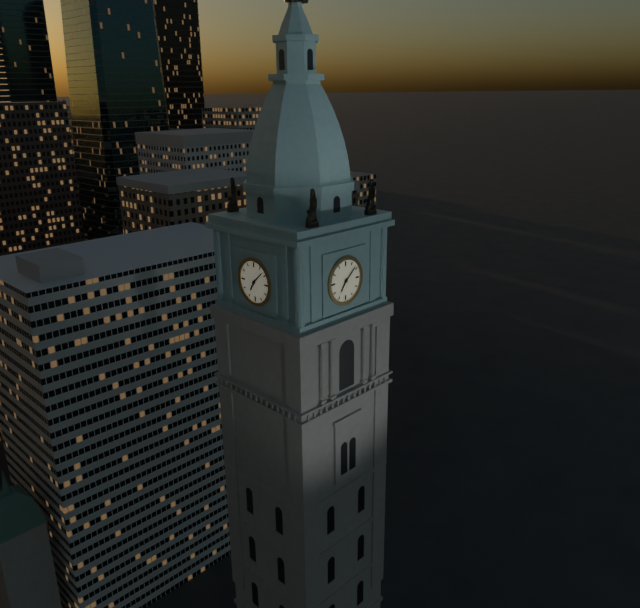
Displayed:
7.08
